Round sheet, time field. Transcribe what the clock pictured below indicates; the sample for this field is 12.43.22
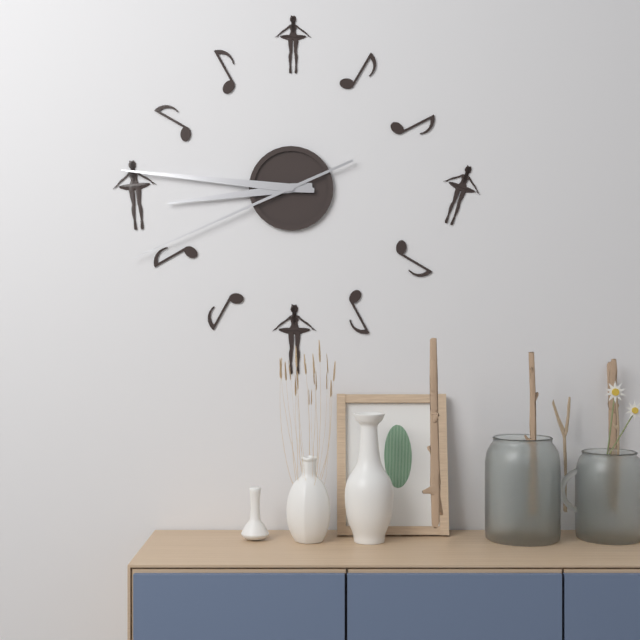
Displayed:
8.46.41
